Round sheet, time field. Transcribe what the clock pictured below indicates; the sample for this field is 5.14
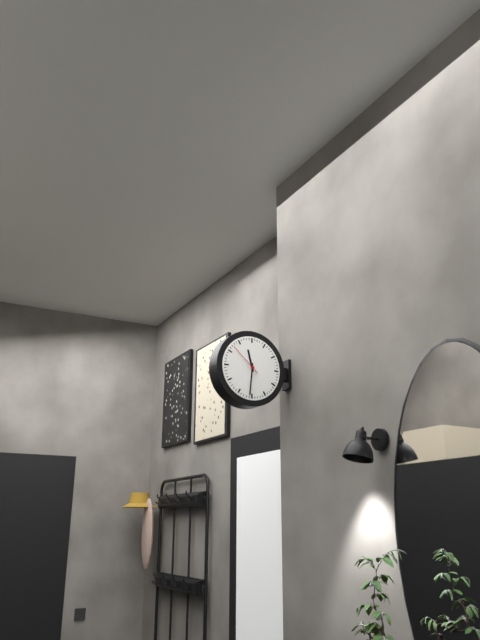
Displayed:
11.31
